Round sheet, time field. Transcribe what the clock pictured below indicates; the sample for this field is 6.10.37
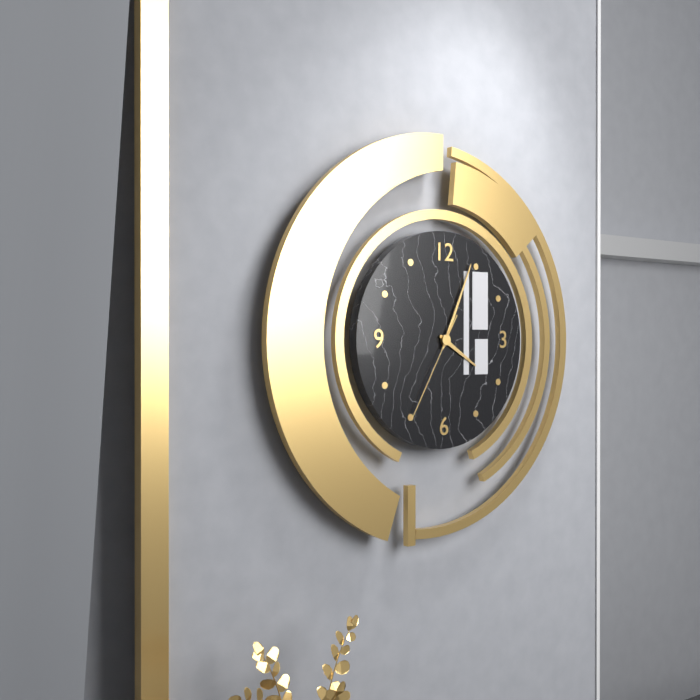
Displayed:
4.04.35
